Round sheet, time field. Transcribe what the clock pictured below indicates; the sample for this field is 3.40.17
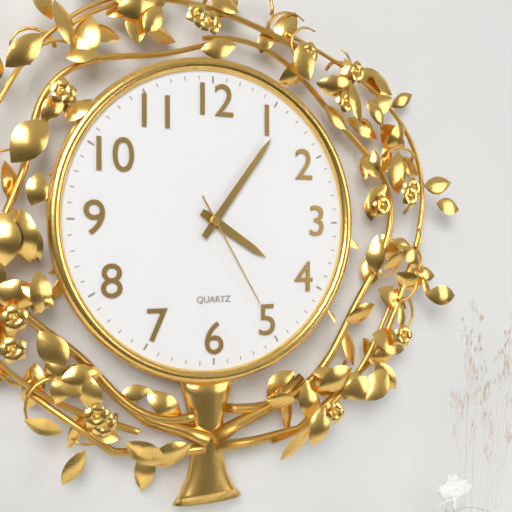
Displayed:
4.06.25
